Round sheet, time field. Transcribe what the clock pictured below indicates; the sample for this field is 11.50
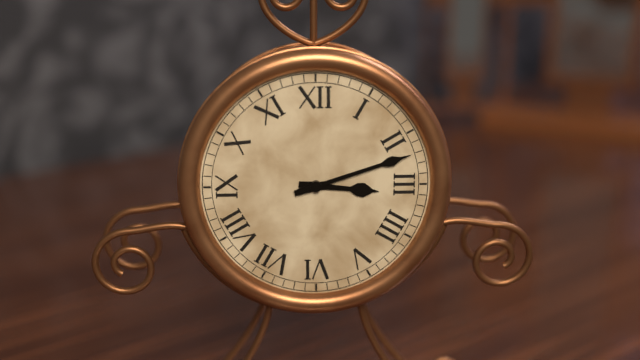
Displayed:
3.12
